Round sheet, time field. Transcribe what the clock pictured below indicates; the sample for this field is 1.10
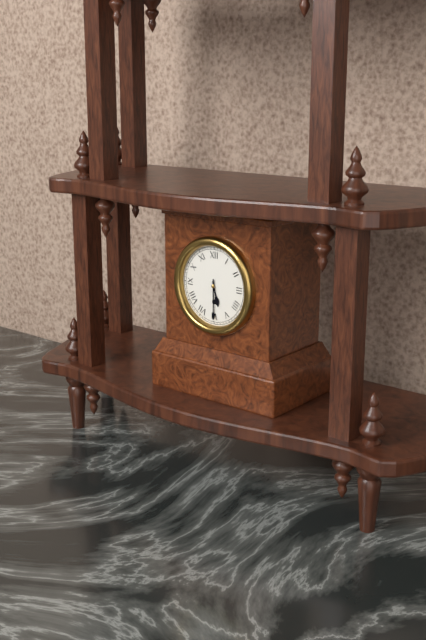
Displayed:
5.30
